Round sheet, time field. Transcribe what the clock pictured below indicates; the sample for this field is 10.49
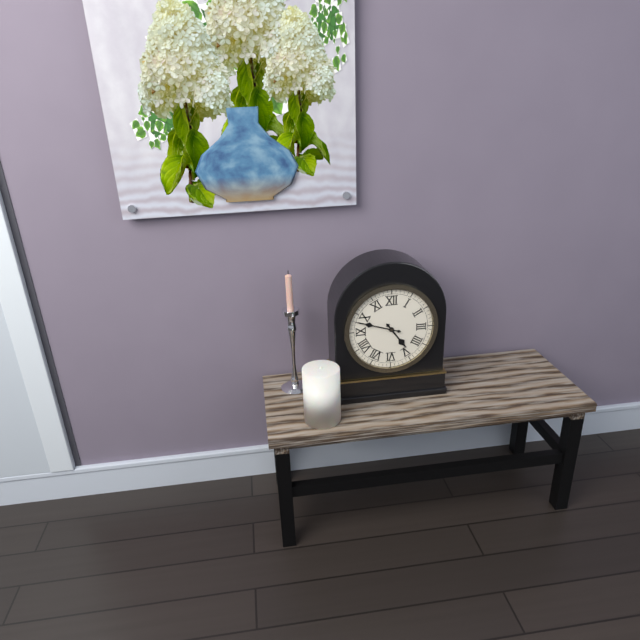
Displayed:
4.48
